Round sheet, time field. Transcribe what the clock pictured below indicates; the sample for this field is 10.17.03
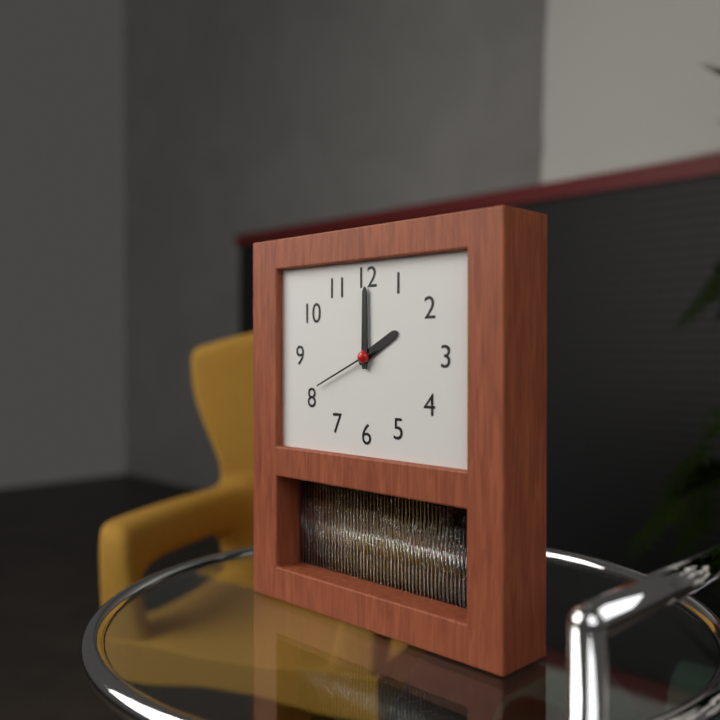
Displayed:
2.00.41
